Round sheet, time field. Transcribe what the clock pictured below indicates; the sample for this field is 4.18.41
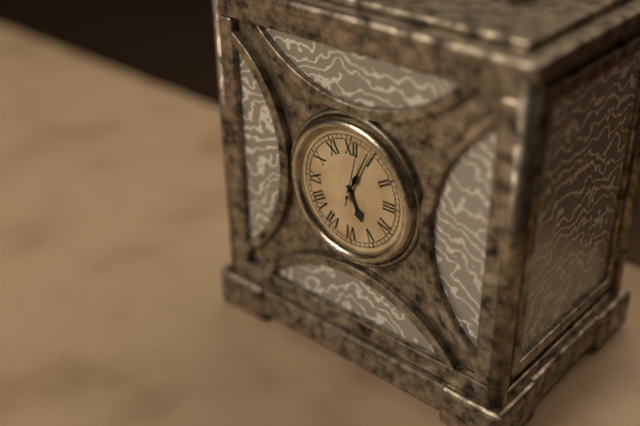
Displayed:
5.04.02
